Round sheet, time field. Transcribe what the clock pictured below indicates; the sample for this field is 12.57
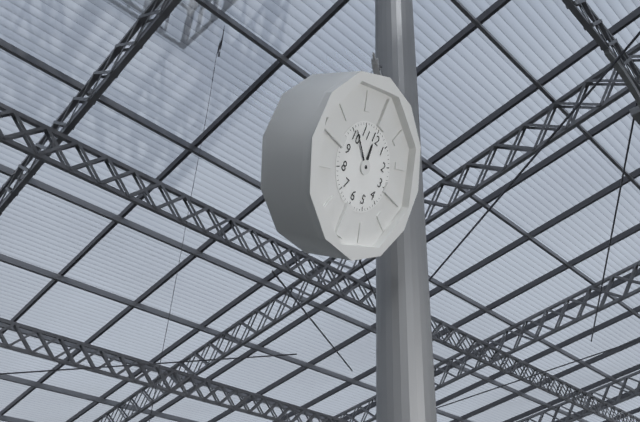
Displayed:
11.51
